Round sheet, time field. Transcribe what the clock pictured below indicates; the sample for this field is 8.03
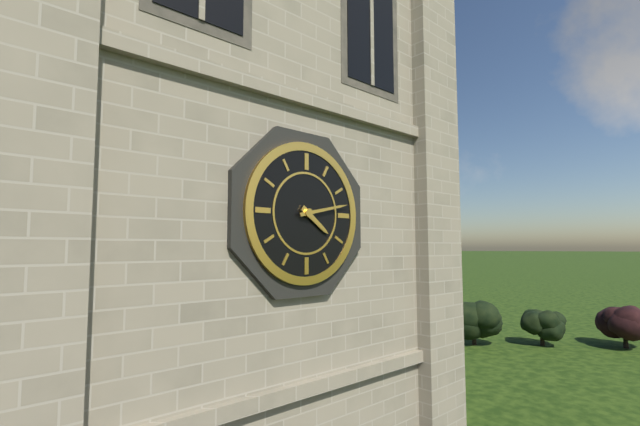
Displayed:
4.13
